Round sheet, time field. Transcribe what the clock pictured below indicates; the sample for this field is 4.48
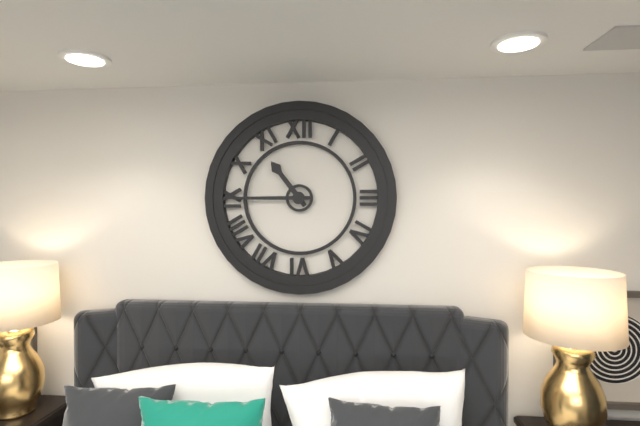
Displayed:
10.45
